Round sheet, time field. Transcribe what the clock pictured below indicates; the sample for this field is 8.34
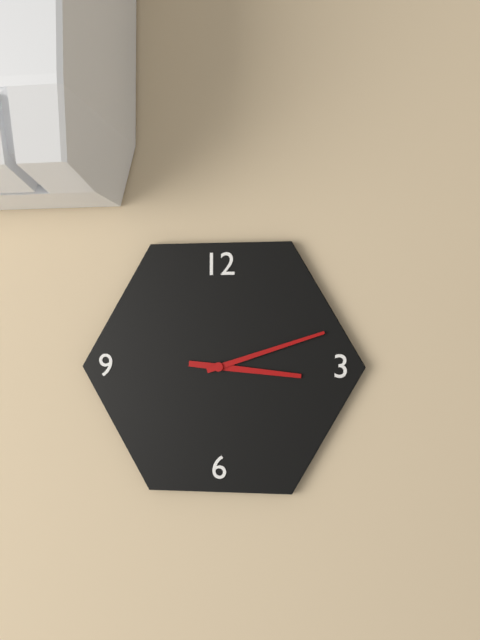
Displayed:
3.12
